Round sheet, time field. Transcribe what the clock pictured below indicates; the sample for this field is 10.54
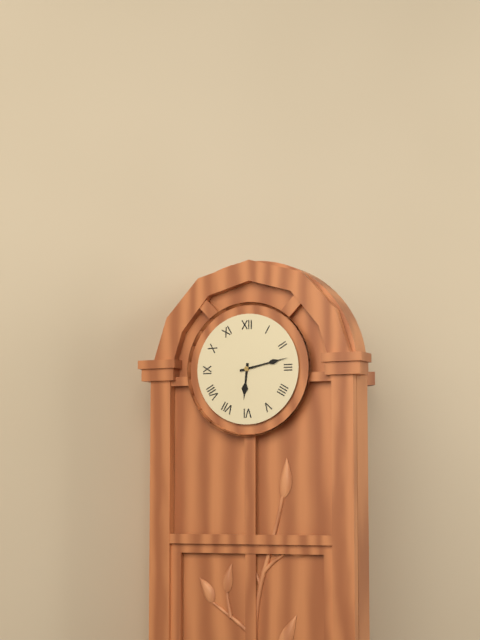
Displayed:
6.13
